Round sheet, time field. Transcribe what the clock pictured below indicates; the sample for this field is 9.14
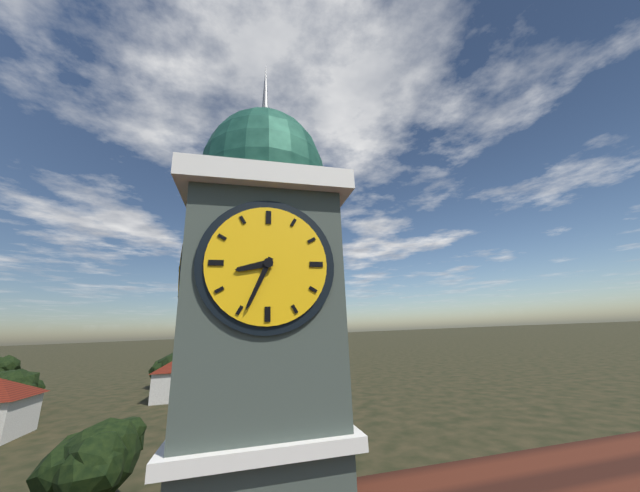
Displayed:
8.34
